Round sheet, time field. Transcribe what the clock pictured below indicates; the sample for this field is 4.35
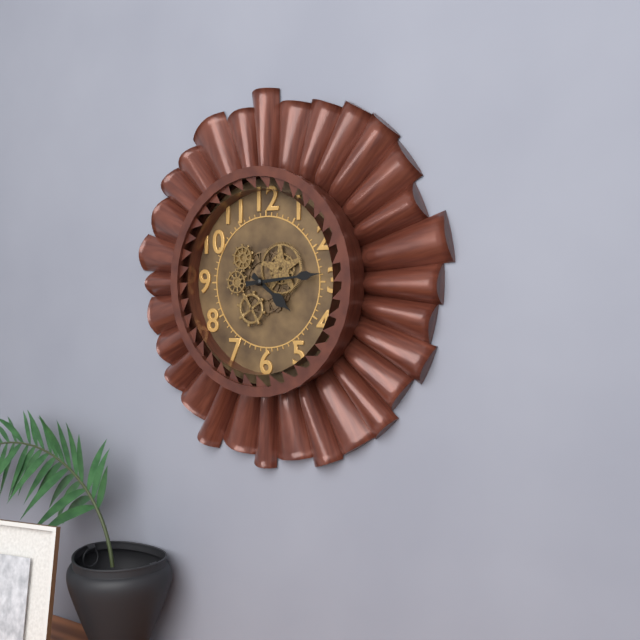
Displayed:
4.14
